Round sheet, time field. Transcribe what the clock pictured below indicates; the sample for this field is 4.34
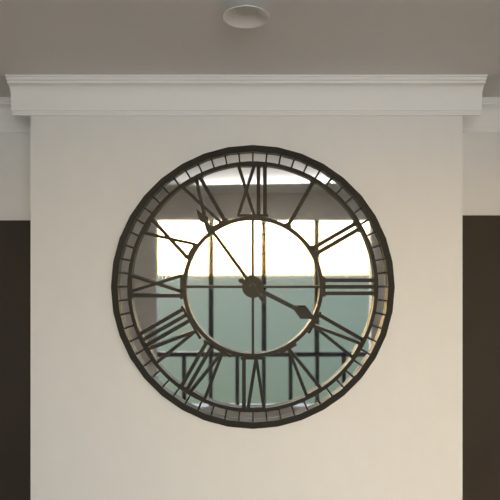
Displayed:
3.54
